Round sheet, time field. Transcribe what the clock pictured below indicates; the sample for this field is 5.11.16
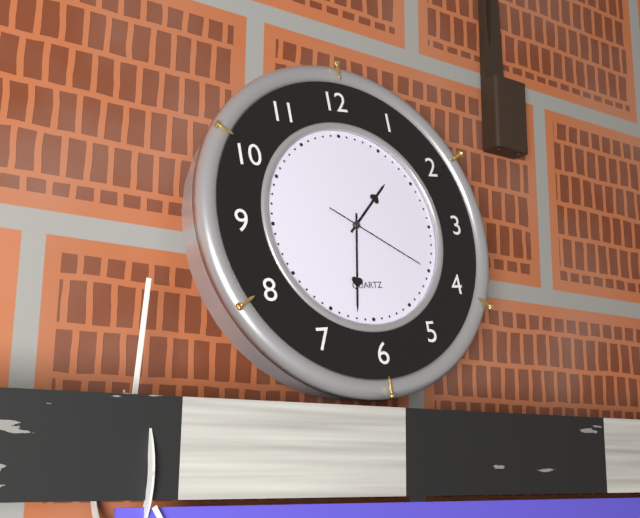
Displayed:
1.32.20
